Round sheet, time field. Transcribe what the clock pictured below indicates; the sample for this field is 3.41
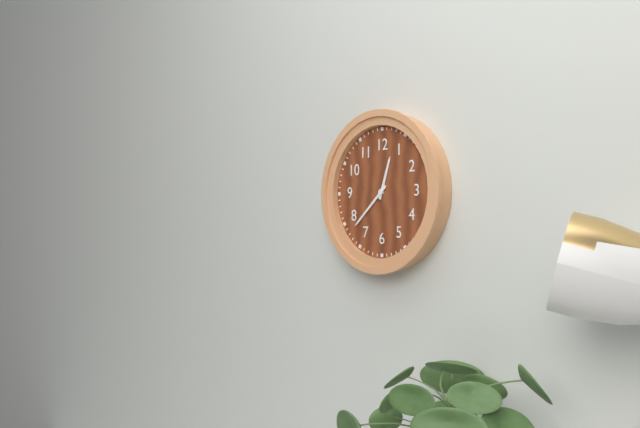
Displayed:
12.38
